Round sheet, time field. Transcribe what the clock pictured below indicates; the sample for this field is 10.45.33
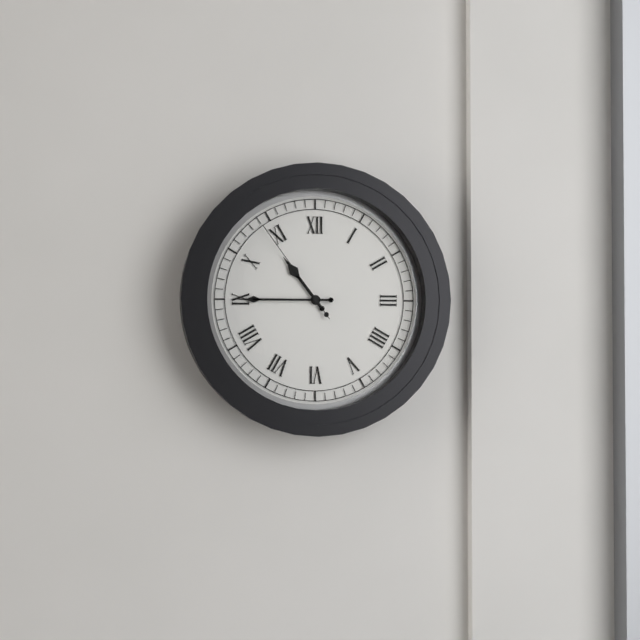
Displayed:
10.45.54
